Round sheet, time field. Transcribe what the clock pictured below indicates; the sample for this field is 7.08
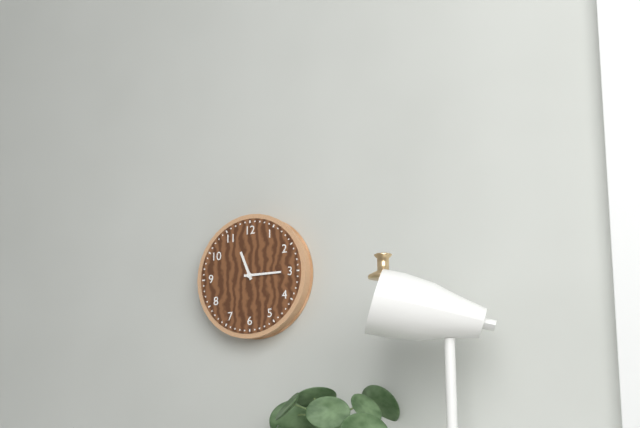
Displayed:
11.15
